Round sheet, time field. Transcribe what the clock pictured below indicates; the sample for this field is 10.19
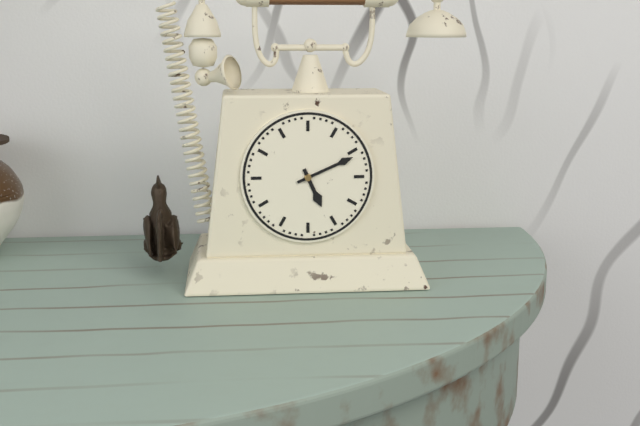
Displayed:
5.11
